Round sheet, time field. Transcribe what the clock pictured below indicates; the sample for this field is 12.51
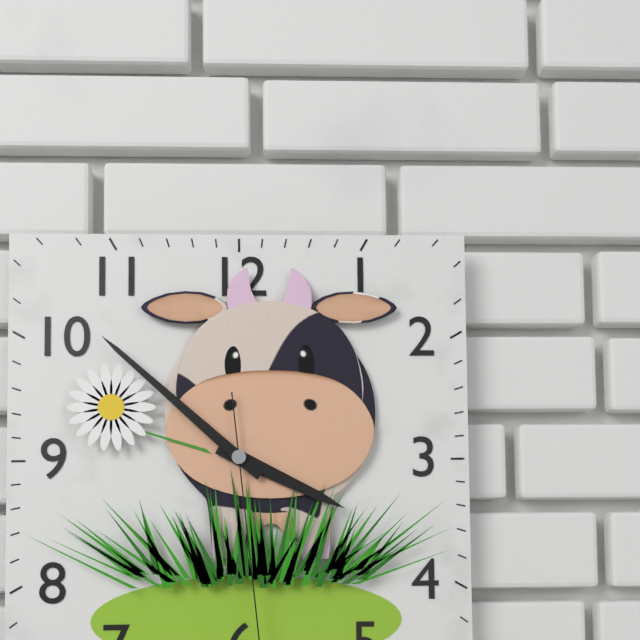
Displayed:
3.52
